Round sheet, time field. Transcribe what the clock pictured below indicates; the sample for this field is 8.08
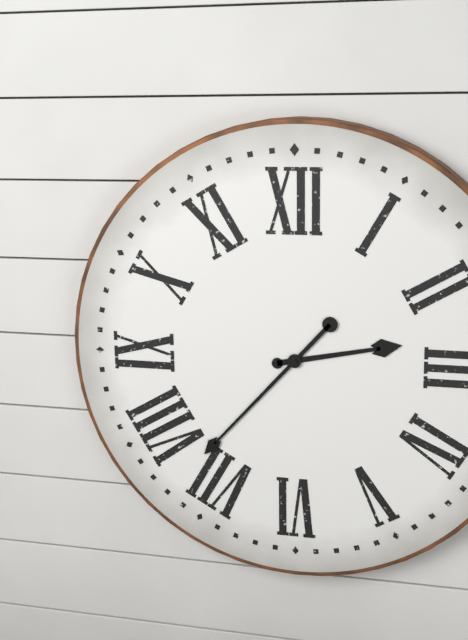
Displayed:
2.37
